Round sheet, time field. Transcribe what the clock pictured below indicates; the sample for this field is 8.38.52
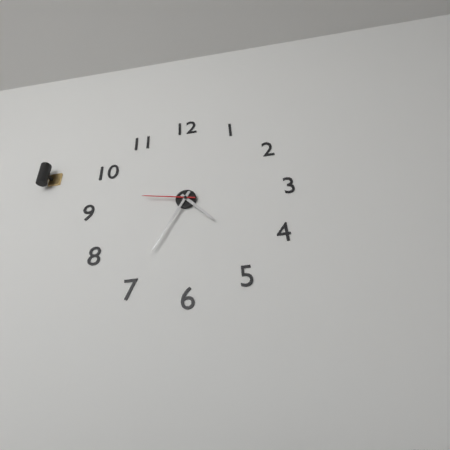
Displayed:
4.35.47
